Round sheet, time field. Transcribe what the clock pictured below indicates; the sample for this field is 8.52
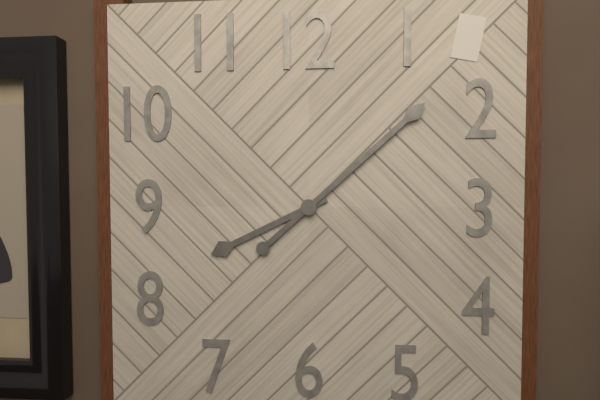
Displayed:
8.08
